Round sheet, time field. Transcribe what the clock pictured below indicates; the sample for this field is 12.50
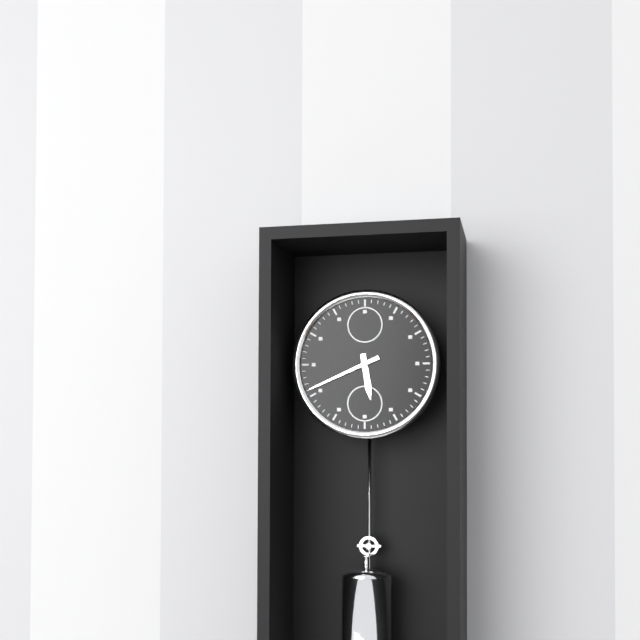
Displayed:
5.41
